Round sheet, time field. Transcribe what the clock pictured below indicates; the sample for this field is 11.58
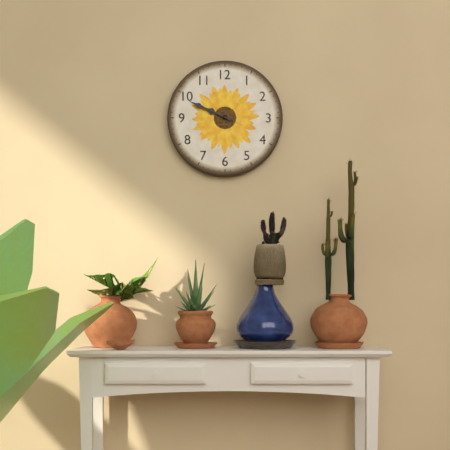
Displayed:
9.49
